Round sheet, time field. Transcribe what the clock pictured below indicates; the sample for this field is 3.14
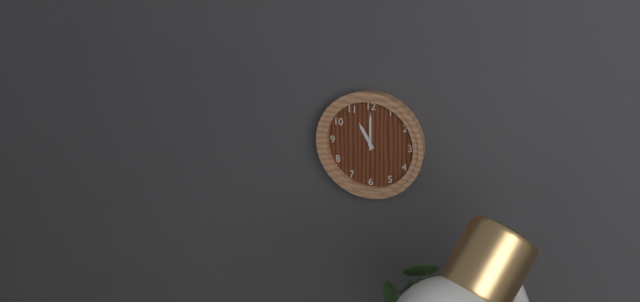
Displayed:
11.00
